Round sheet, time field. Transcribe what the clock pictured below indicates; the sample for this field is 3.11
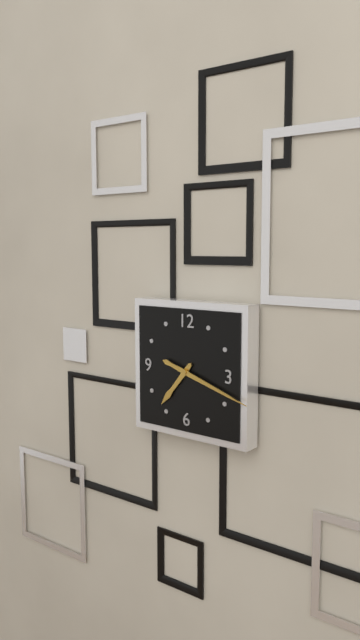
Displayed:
7.18
